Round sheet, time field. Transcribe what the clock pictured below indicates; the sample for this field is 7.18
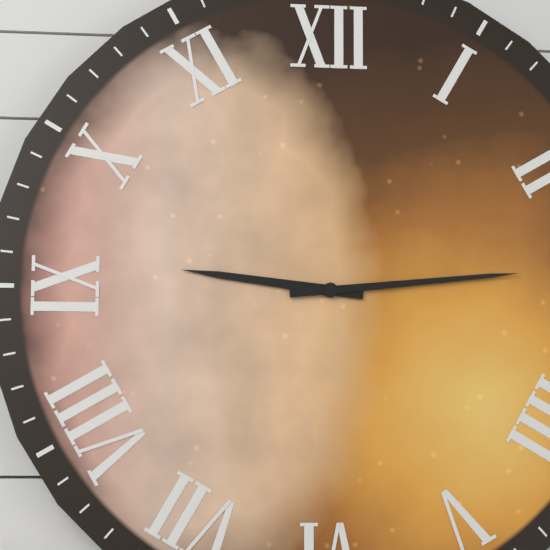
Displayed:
9.14
